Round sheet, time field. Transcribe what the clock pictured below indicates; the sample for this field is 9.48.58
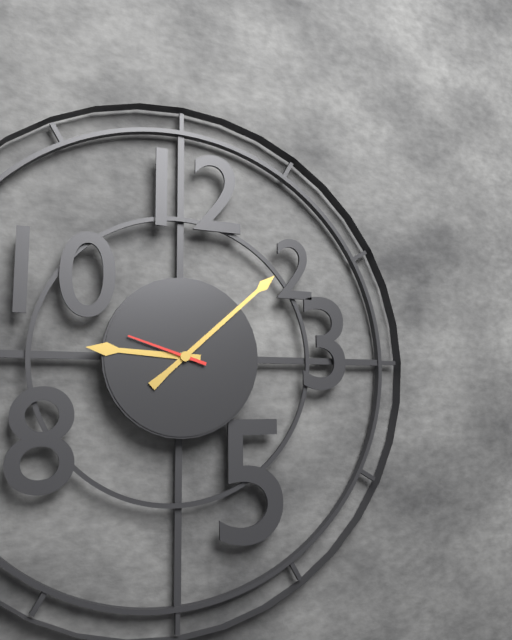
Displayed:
9.08.48
